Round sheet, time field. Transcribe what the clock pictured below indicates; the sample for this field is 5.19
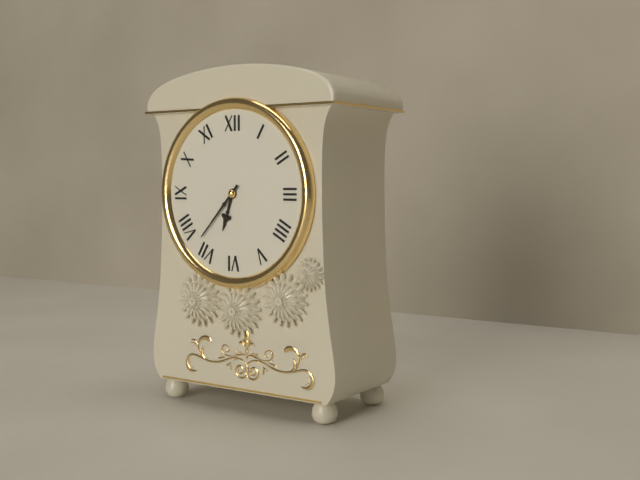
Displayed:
6.37
